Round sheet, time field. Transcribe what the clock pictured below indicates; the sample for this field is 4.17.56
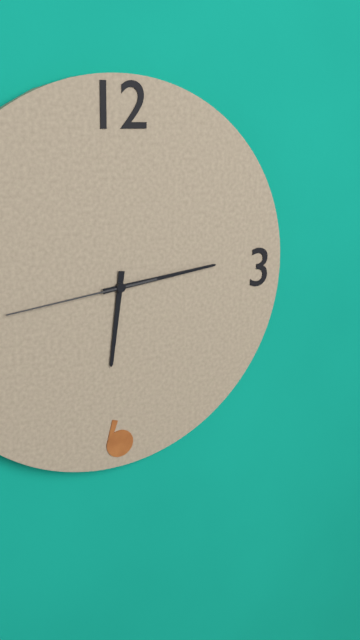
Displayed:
6.14.44
